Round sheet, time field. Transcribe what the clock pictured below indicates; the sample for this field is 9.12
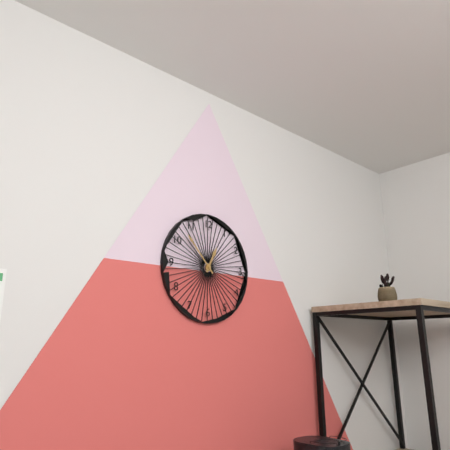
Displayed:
12.53
